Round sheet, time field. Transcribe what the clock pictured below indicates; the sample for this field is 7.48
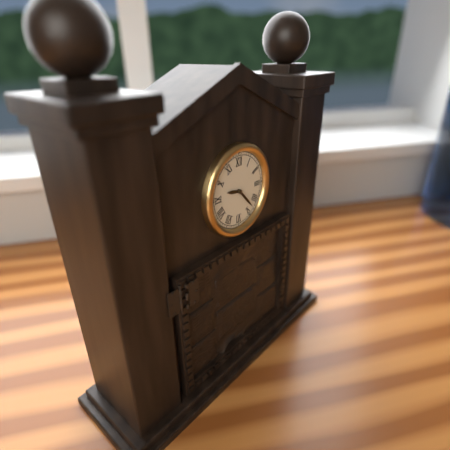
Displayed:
9.23
